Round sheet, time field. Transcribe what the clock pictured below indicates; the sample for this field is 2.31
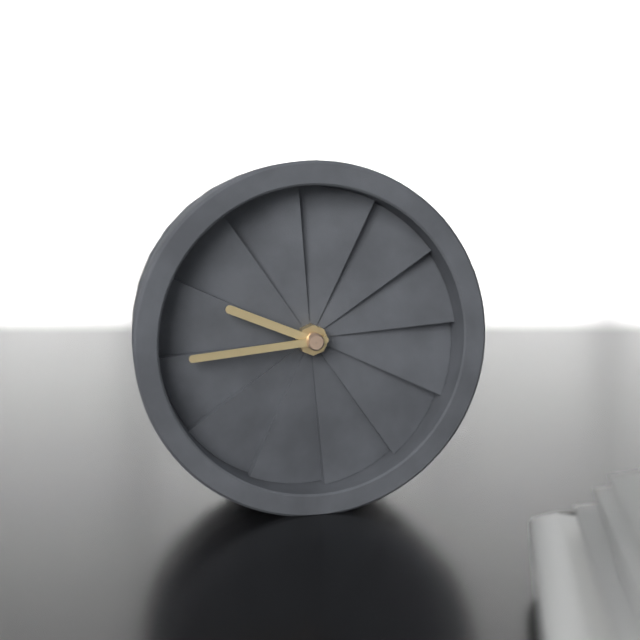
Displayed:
9.44
